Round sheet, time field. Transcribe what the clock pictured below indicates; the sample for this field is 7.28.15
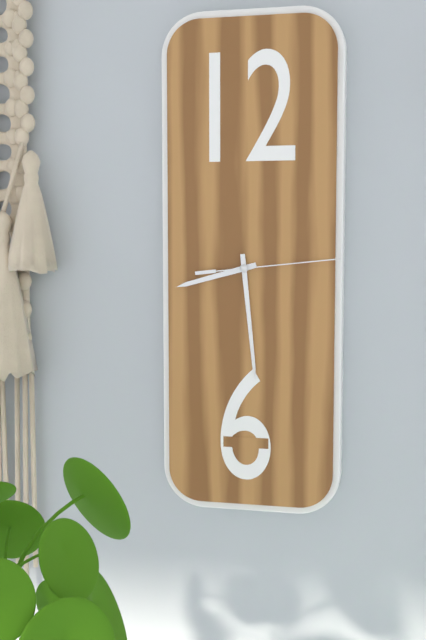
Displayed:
8.29.14
